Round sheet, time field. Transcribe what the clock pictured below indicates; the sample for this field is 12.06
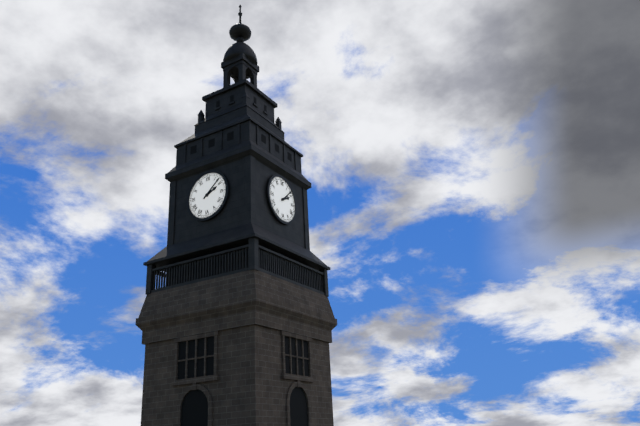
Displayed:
2.08
